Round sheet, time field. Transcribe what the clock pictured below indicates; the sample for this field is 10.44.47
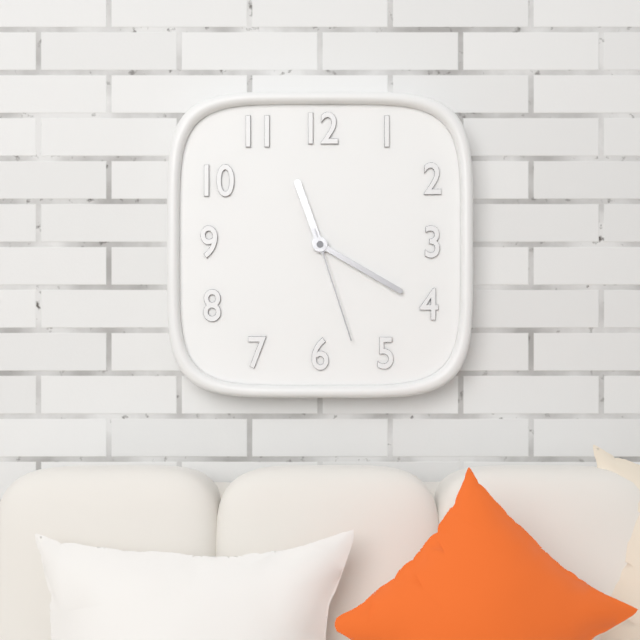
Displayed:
11.20.27
